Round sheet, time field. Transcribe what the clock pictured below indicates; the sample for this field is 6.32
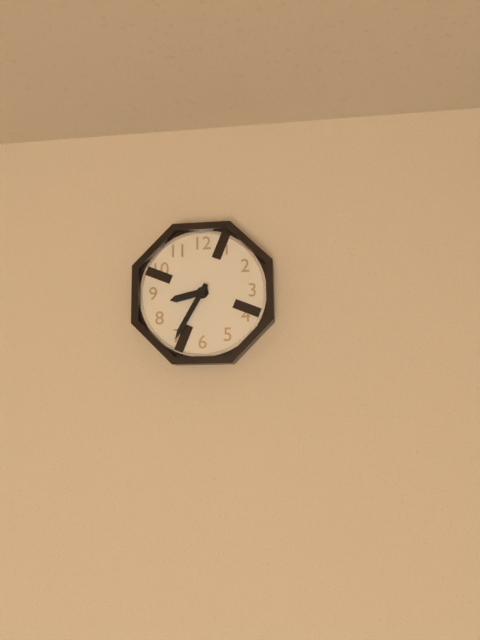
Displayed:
8.35
